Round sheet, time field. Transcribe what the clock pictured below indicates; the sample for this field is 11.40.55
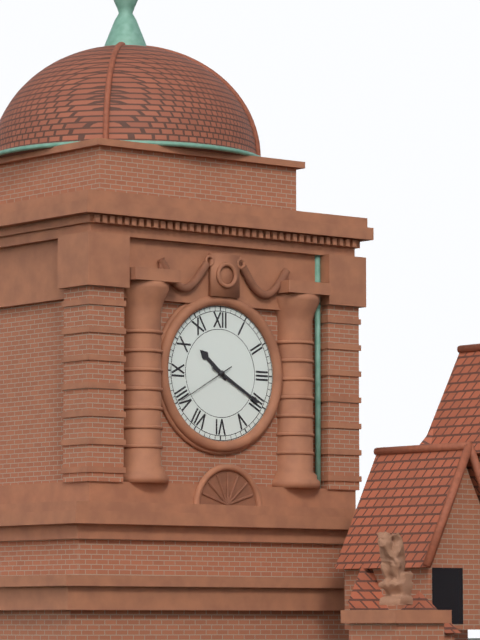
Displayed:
10.20.40
